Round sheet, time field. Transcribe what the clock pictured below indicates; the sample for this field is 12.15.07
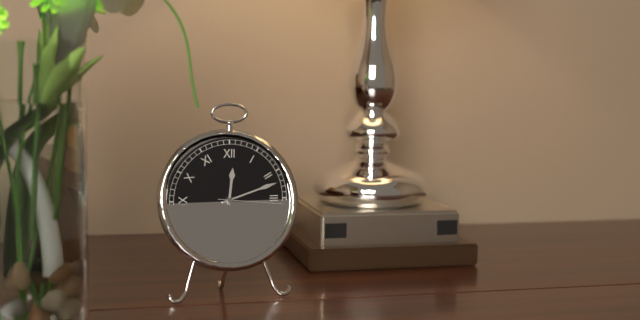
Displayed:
12.12.16
